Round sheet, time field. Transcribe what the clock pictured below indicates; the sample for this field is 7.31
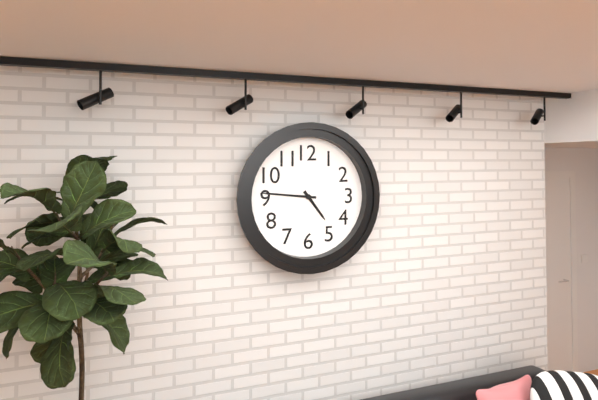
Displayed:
4.46
